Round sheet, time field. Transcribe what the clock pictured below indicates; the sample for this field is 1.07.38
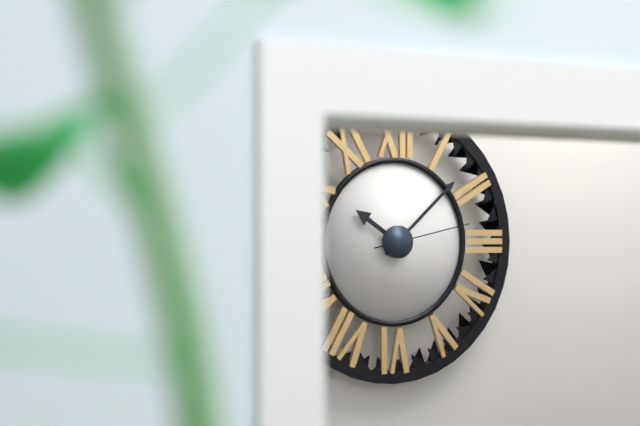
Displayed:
10.08.13
